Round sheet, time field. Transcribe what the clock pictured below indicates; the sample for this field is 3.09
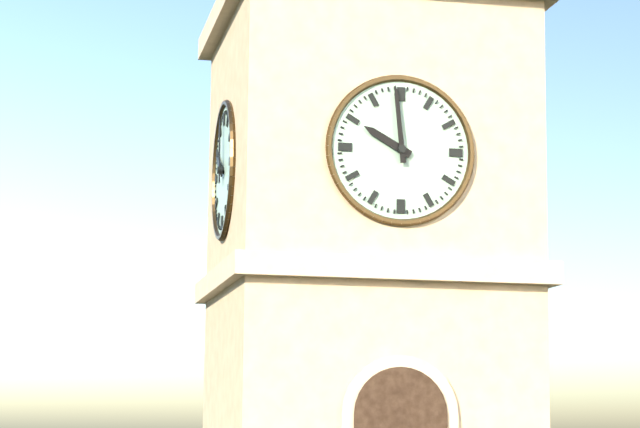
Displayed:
9.59
